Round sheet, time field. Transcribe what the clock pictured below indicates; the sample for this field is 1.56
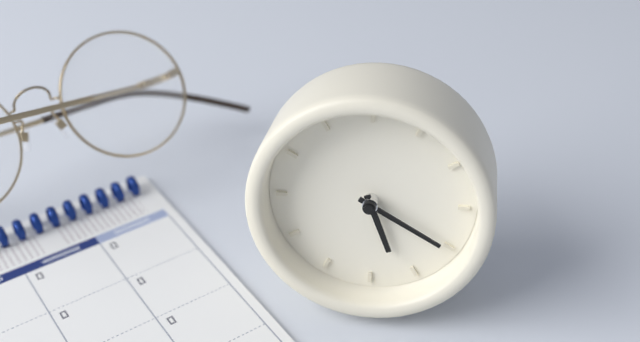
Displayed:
5.20
